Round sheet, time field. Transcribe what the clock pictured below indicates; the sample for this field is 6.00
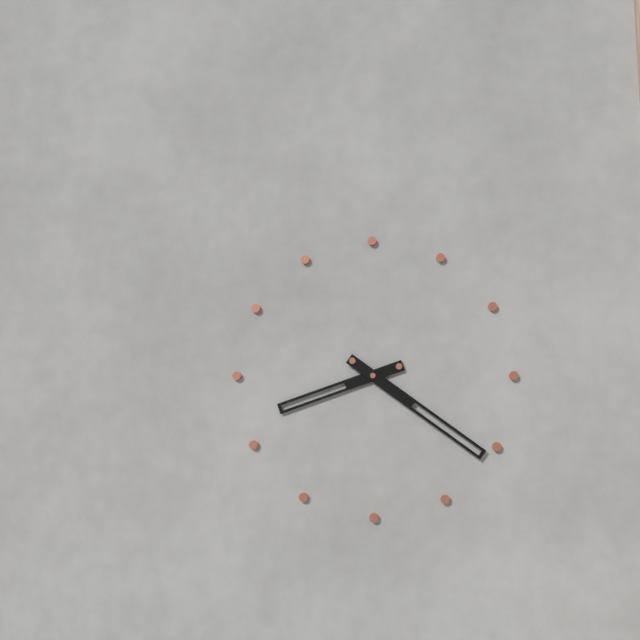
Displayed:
8.21
